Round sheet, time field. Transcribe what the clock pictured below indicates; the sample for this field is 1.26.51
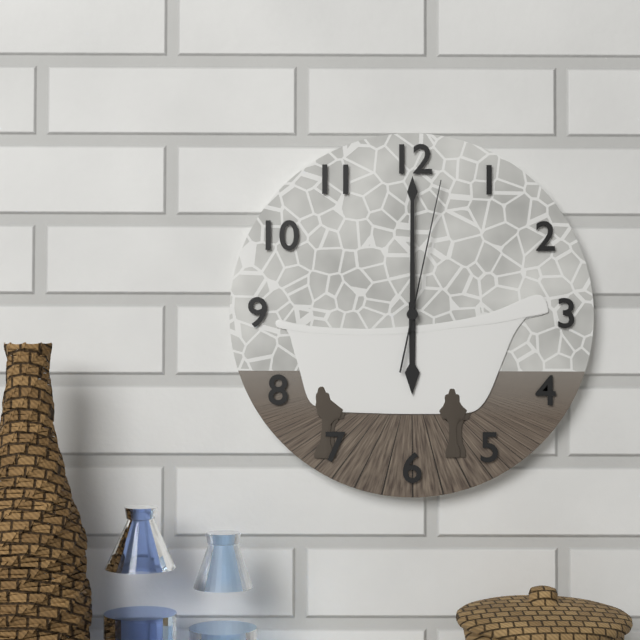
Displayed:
6.00.02
